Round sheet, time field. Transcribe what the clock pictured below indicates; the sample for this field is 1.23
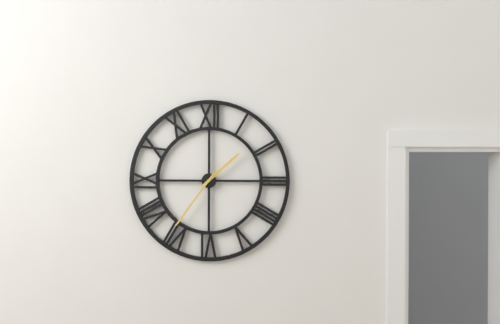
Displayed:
1.36
